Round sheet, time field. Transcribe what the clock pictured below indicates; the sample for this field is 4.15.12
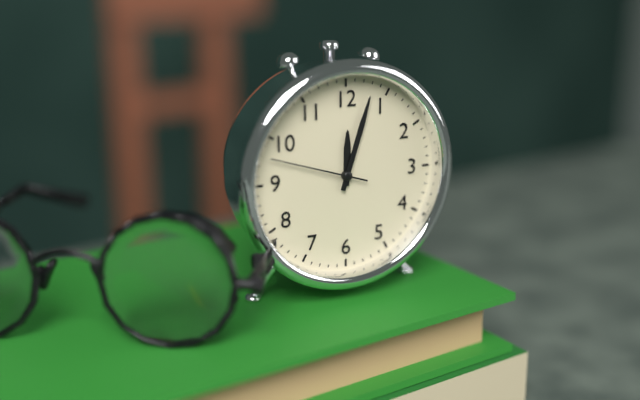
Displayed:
12.03.48
